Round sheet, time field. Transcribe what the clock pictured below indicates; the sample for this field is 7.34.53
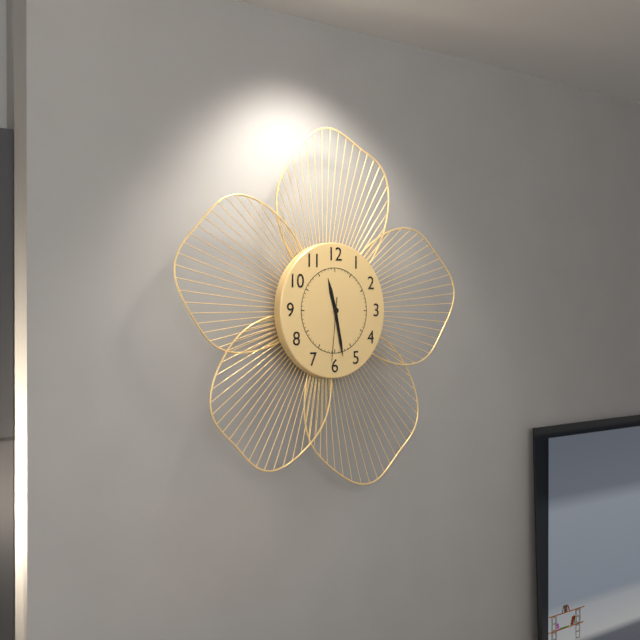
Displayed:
11.28.31
